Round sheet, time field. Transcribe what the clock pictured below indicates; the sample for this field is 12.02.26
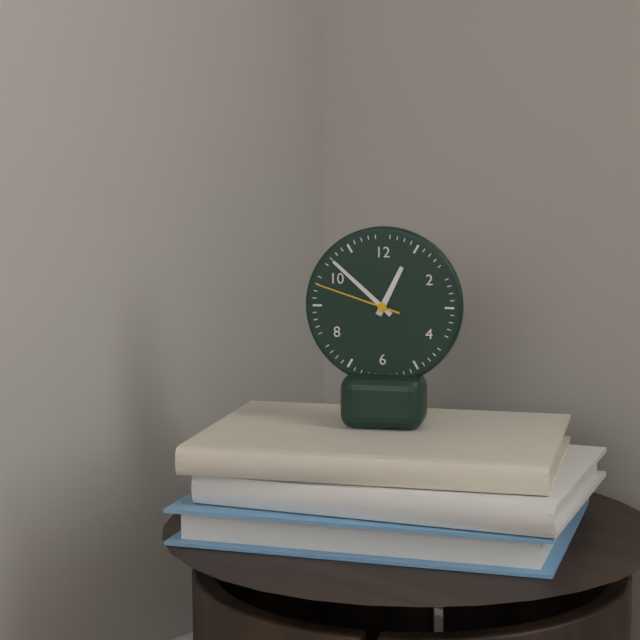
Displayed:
12.52.48
